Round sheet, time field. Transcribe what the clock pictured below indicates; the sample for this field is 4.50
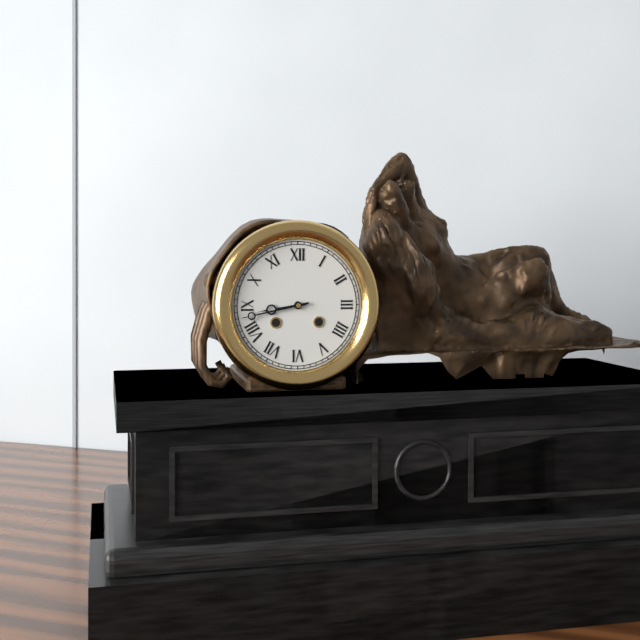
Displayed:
8.43
